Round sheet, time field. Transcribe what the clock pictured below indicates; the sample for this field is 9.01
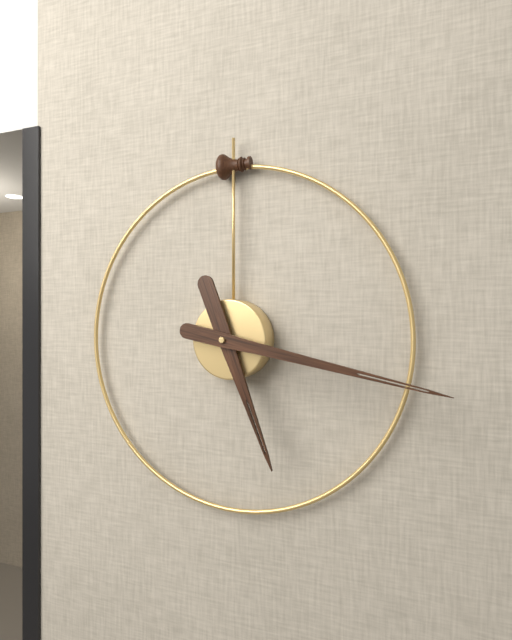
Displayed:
5.17
